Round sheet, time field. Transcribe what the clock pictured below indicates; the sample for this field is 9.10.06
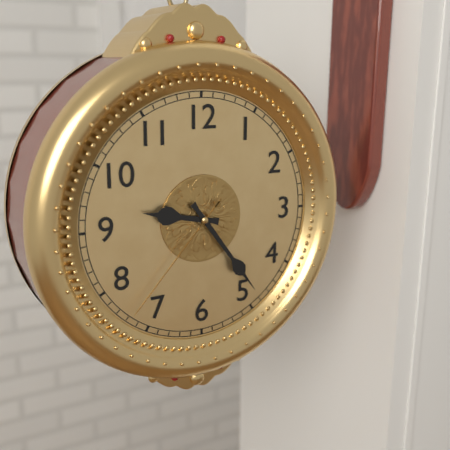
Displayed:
9.24.37
